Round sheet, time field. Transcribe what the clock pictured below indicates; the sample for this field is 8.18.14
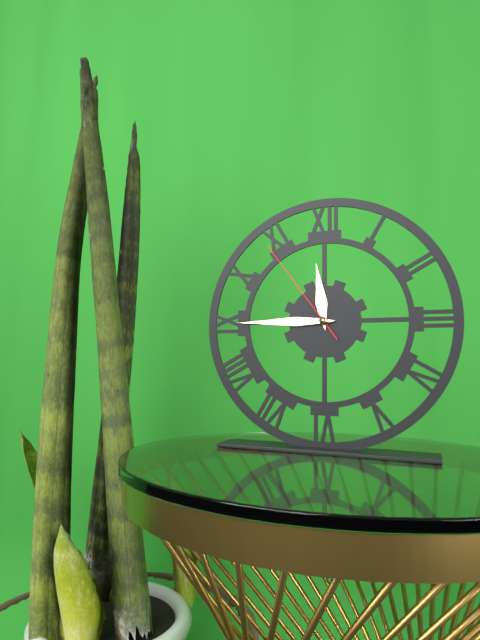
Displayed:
11.45.54
